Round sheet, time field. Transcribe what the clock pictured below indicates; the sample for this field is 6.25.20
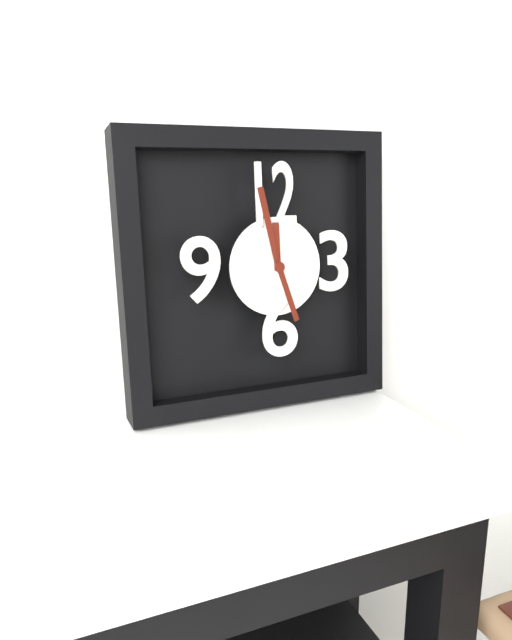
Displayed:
11.58.27
